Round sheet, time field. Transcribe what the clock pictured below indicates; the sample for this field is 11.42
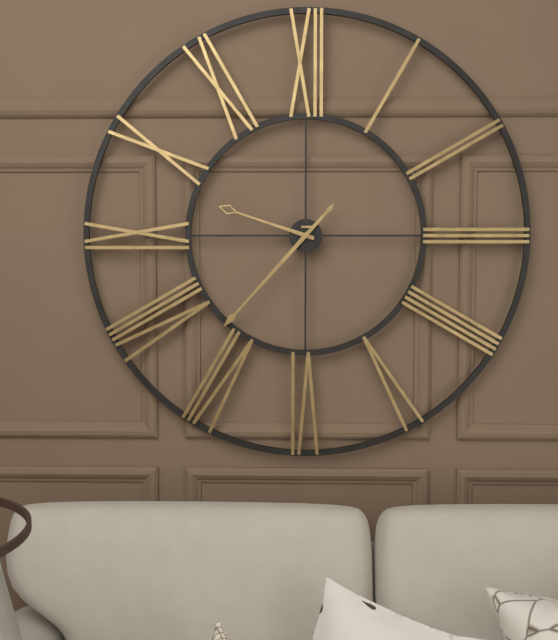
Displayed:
9.37
